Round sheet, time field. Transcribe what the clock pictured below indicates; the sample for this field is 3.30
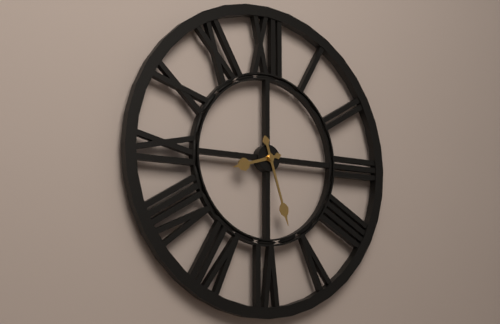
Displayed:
8.27
